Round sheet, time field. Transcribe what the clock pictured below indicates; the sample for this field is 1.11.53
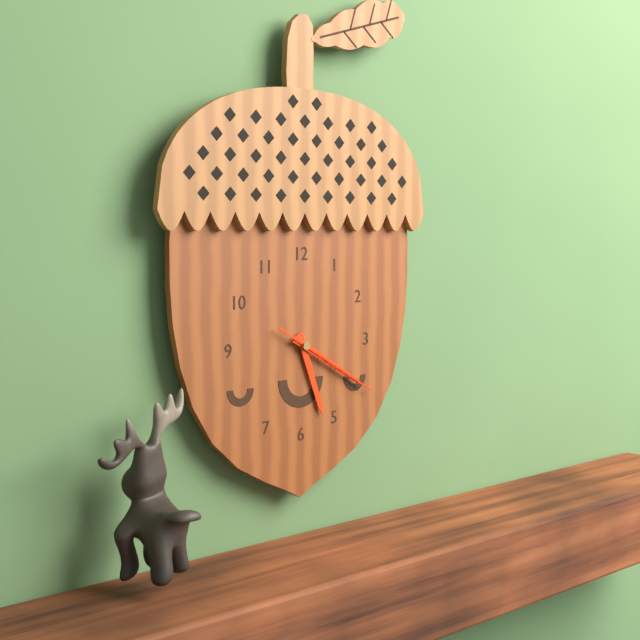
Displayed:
5.20.20
